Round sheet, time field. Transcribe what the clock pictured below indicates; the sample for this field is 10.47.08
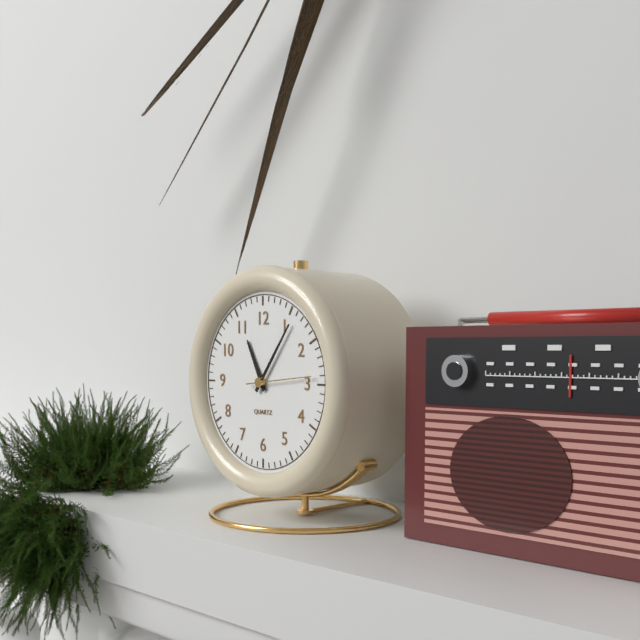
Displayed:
11.06.14
